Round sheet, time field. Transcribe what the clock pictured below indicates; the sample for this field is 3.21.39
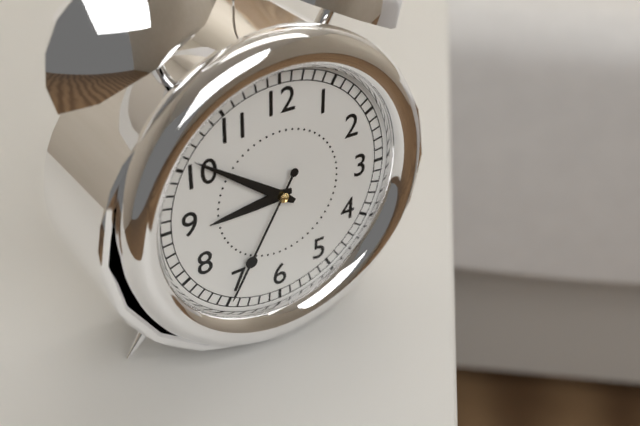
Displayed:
8.51.35
